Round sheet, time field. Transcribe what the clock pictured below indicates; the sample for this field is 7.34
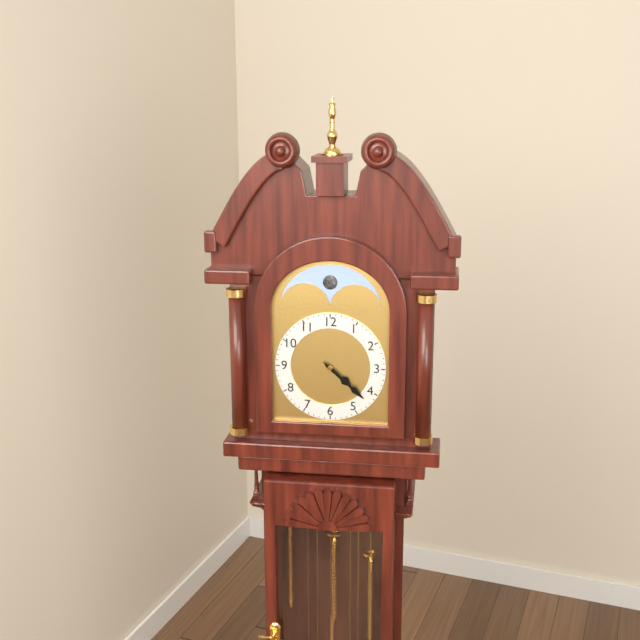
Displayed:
4.22
